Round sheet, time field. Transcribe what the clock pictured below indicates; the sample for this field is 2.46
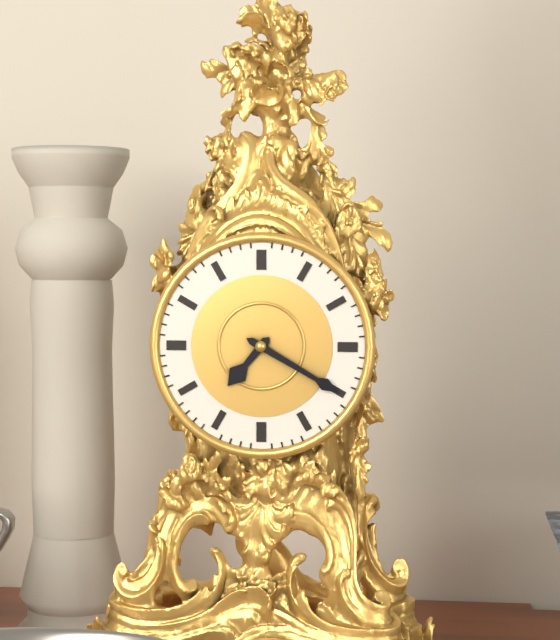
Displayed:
7.20
